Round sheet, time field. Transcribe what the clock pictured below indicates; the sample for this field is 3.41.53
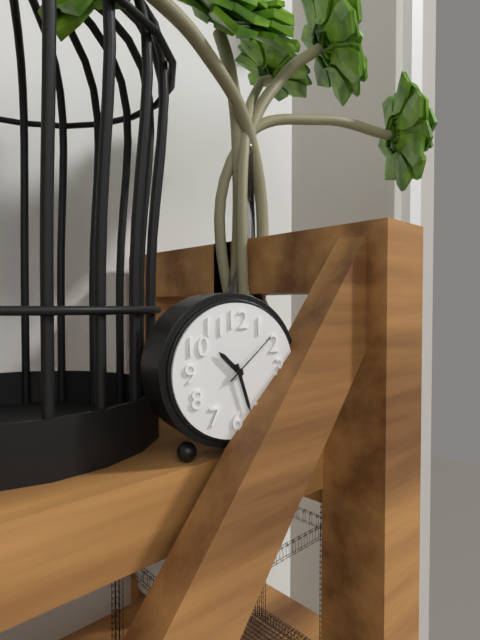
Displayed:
10.27.08
